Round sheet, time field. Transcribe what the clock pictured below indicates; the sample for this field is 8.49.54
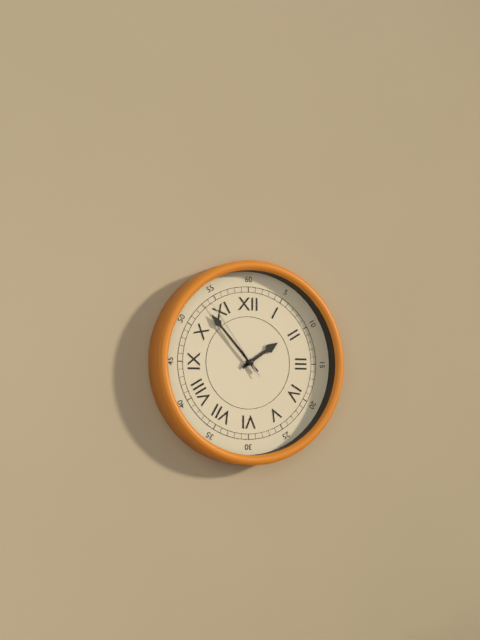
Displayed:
1.53.54
